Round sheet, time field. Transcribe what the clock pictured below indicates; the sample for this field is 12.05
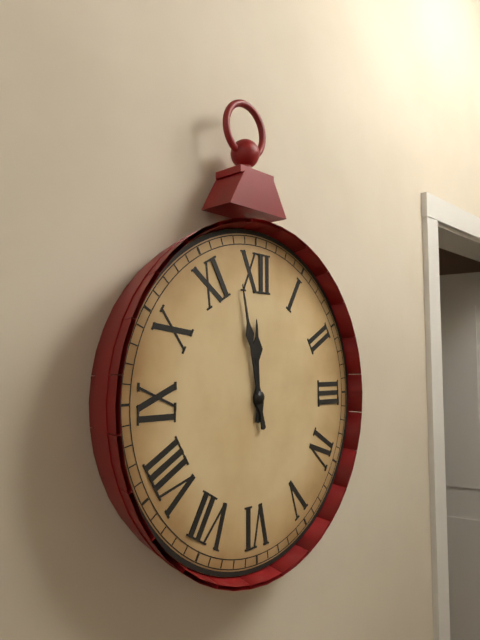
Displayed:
11.58
